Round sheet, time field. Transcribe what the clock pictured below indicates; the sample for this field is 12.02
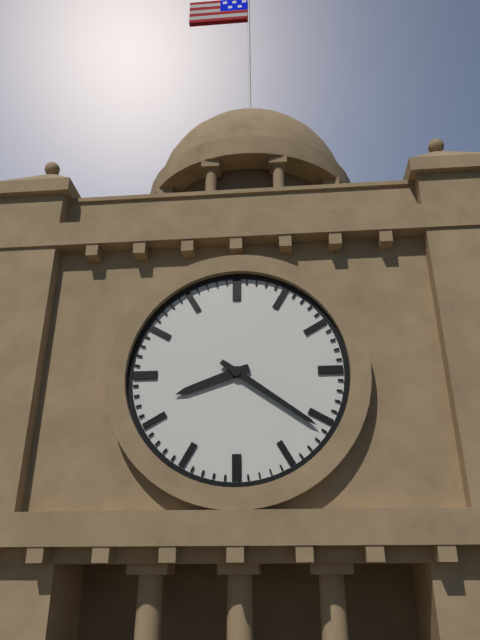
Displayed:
8.21
